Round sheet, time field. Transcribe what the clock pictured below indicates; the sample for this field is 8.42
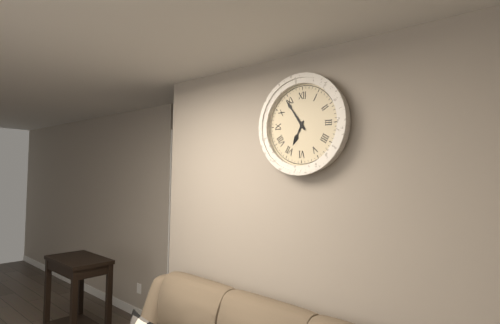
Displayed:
6.54
